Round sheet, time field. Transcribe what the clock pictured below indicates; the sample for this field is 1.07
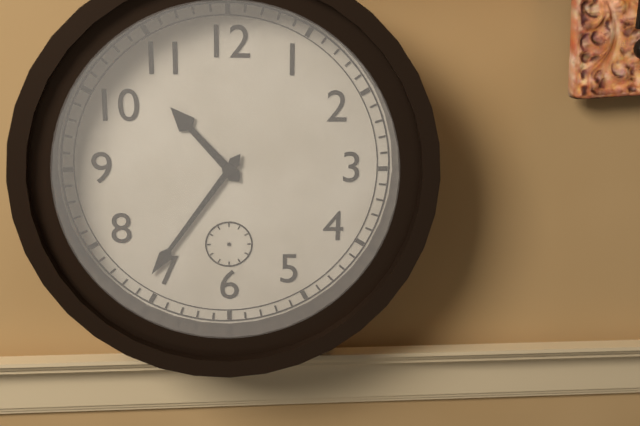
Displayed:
10.36
